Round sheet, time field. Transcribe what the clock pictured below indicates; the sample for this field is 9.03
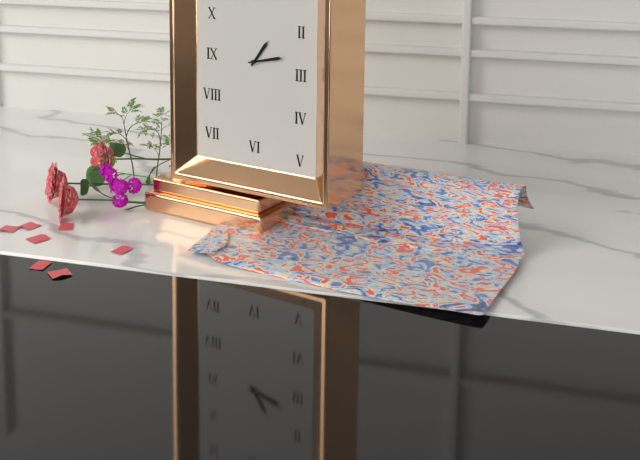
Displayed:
1.13
